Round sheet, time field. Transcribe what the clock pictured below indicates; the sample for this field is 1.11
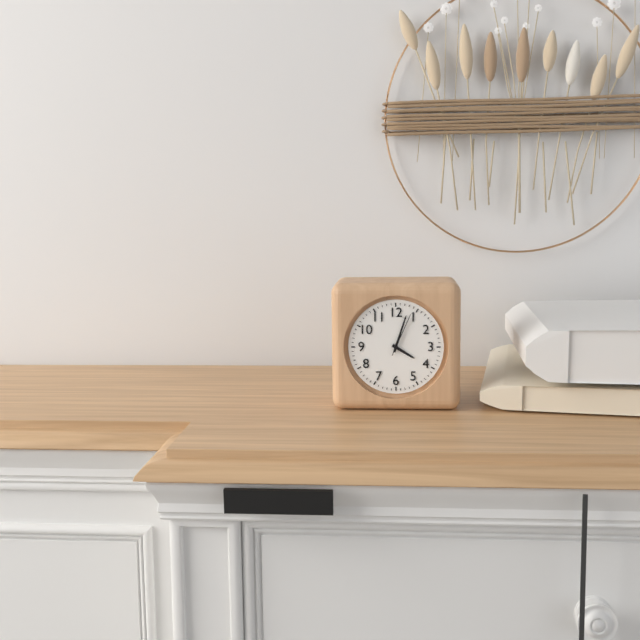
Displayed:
4.03
